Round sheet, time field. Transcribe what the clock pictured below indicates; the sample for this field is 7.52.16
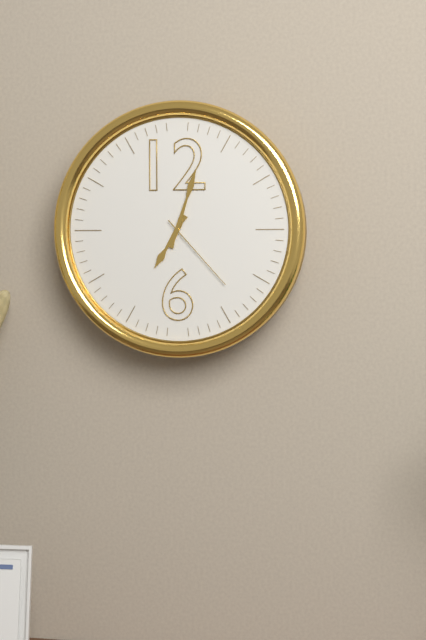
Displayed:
7.03.23
